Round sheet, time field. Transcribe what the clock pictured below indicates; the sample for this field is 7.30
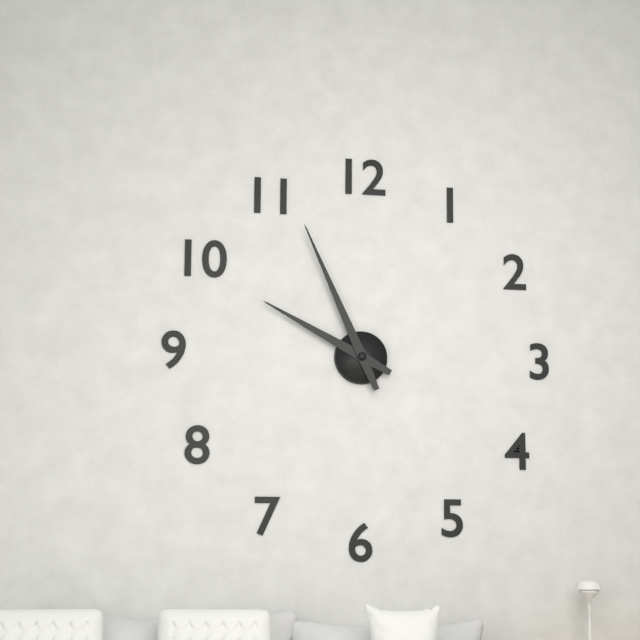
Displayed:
9.56
